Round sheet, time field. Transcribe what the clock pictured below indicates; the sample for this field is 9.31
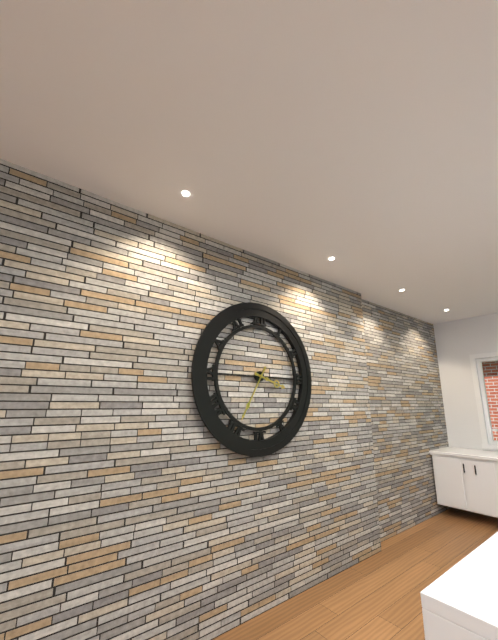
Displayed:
3.35
